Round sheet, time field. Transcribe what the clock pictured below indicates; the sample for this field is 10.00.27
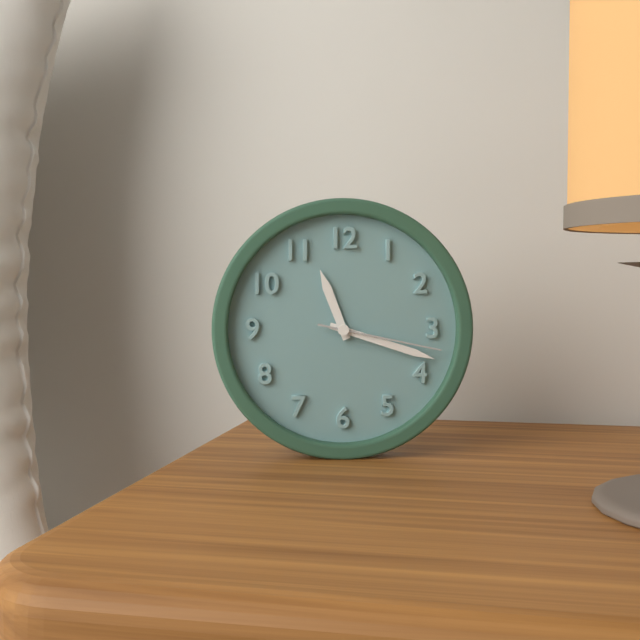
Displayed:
11.18.17
